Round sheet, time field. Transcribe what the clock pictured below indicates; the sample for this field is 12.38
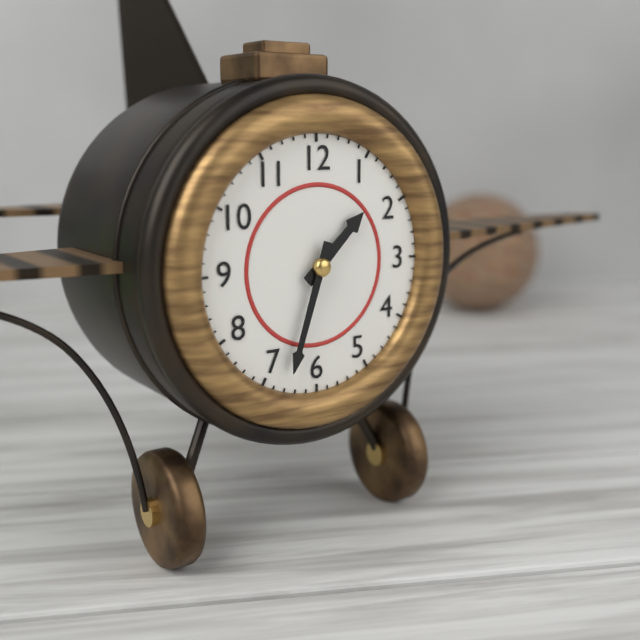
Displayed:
1.33
